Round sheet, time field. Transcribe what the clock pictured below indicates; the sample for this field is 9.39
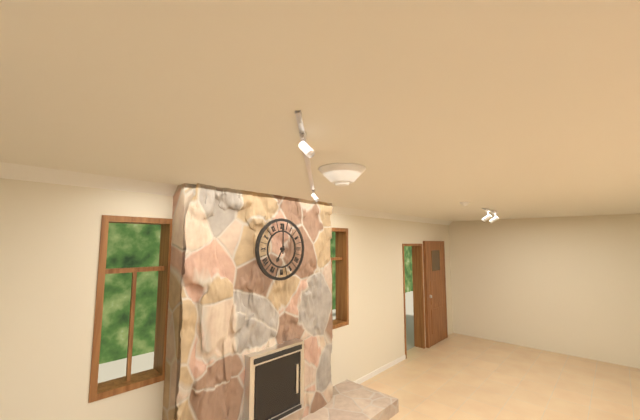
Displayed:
7.00
